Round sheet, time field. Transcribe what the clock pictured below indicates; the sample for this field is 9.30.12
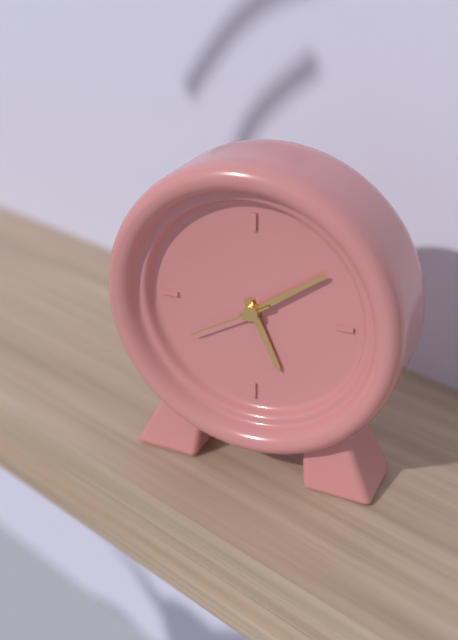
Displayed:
5.09.40
